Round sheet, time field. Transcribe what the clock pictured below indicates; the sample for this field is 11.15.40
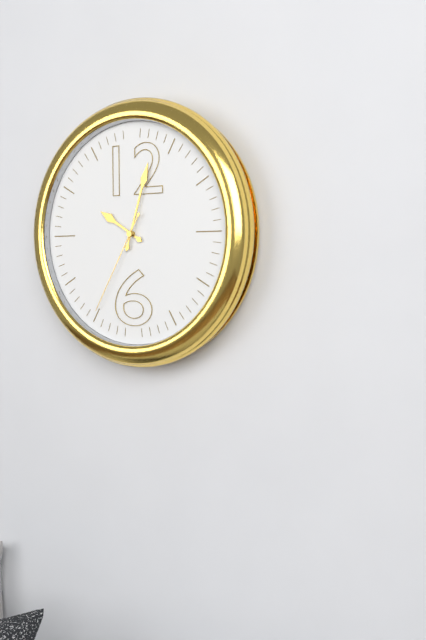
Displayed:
10.03.35
